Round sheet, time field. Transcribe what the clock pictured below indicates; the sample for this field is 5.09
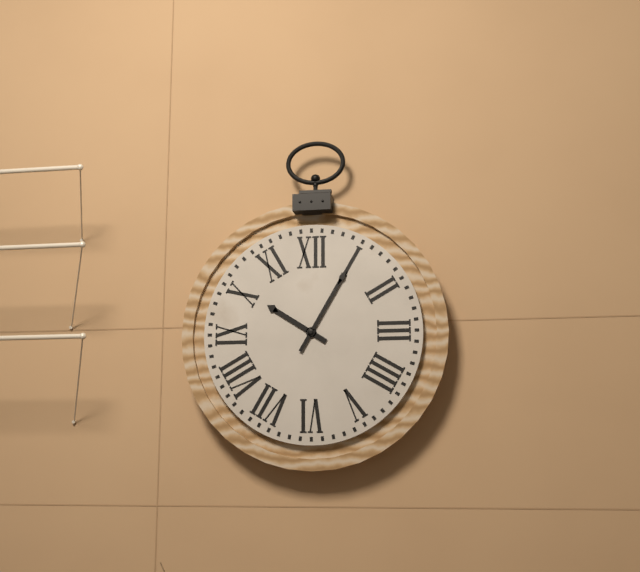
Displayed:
10.05
